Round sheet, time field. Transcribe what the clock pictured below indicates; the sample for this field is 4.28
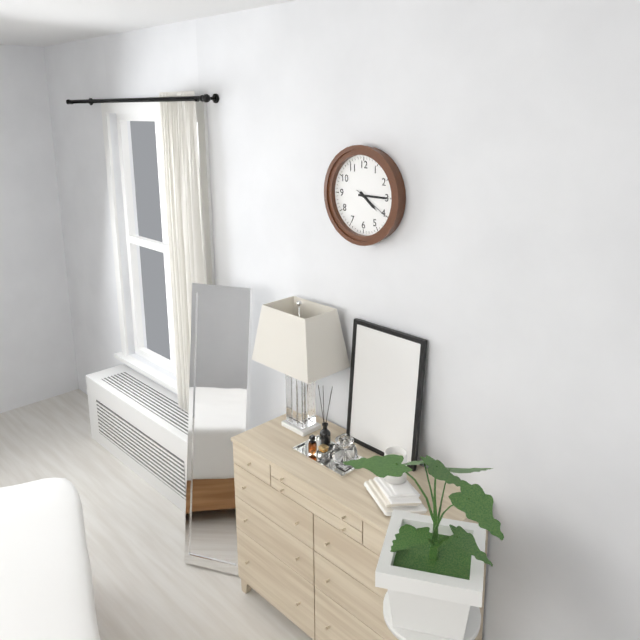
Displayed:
4.15
